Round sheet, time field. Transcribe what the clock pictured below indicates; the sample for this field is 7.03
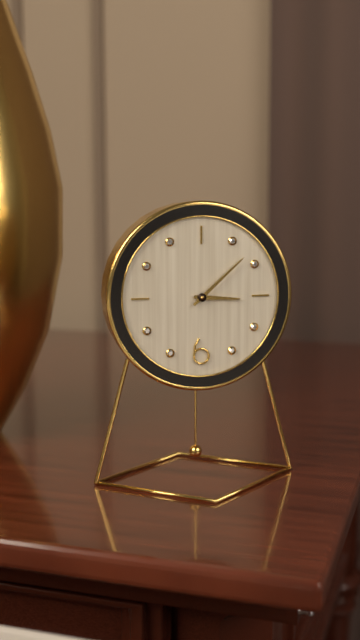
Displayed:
3.08
